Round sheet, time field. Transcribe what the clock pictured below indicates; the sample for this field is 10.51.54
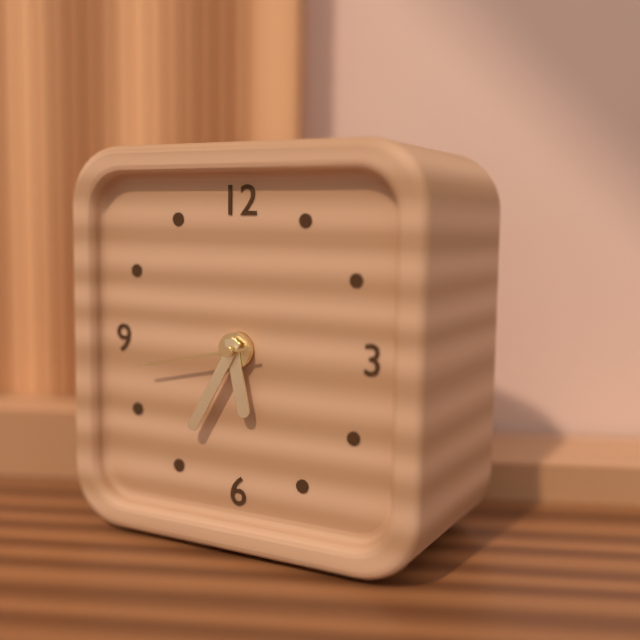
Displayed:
5.35.43
